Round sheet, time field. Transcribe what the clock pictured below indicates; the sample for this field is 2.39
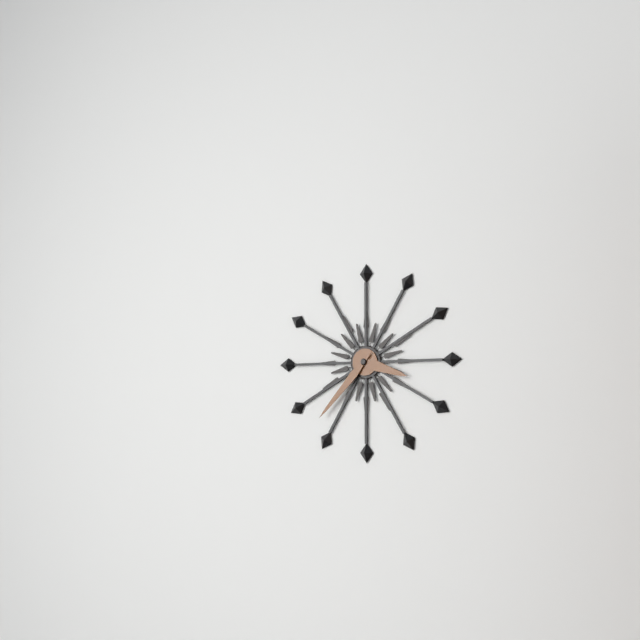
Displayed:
3.37
